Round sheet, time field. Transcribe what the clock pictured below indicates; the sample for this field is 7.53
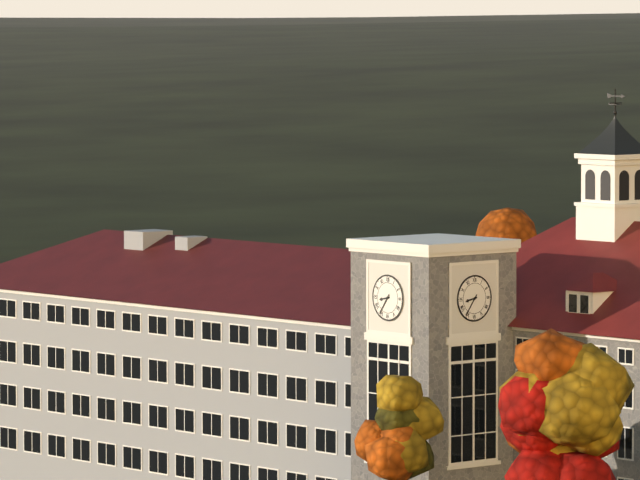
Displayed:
8.36
